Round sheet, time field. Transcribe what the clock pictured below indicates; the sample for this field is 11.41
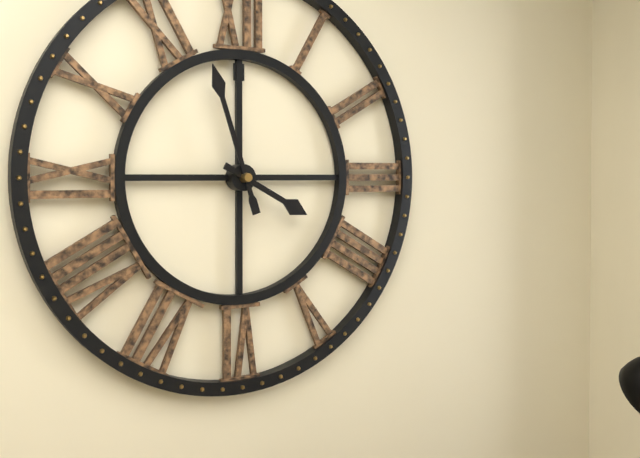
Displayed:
3.57
